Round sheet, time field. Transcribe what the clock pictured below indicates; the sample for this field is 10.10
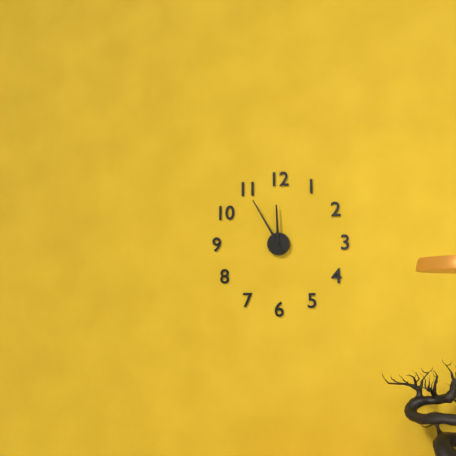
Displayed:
11.55
